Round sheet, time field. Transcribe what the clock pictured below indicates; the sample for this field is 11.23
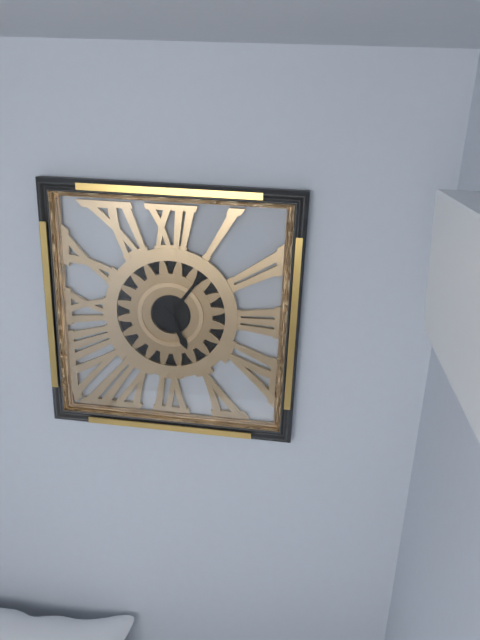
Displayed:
5.06
